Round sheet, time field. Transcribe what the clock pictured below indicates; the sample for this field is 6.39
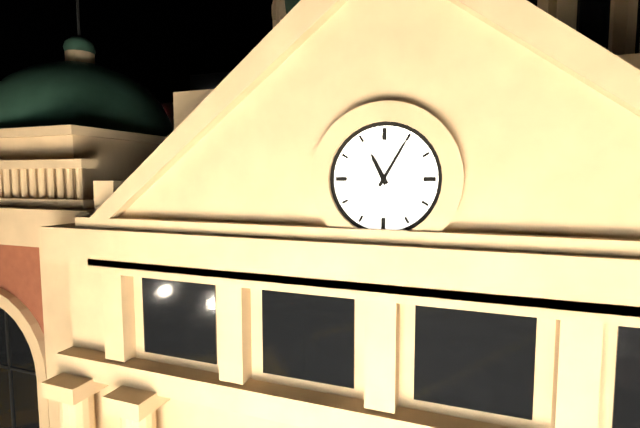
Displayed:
11.05
